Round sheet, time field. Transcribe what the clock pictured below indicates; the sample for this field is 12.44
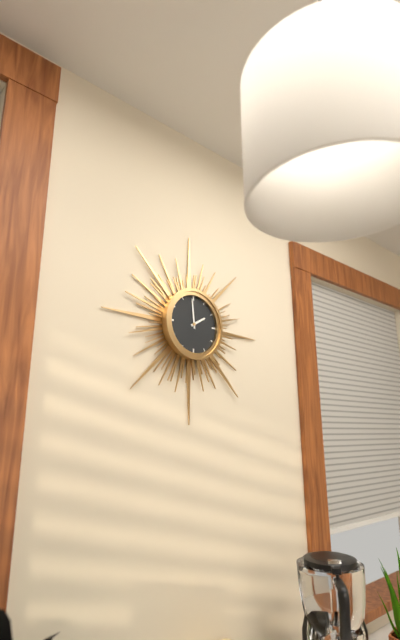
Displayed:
1.59
